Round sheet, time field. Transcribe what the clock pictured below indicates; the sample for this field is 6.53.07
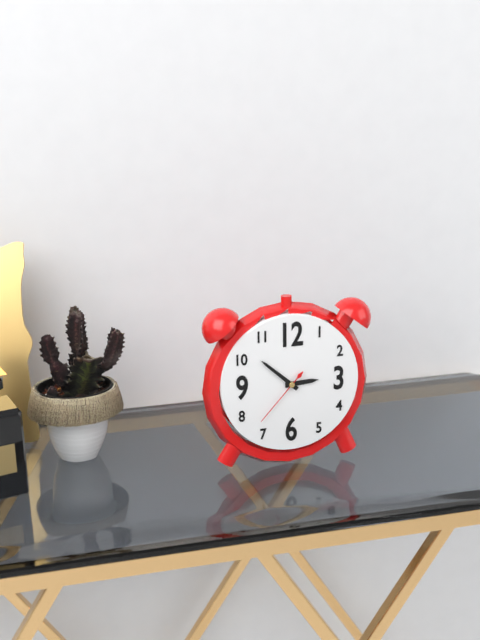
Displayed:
2.52.37
